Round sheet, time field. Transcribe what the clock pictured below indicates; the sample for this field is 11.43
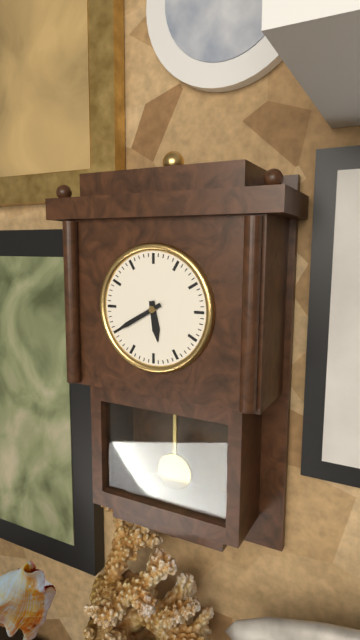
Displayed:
5.40
